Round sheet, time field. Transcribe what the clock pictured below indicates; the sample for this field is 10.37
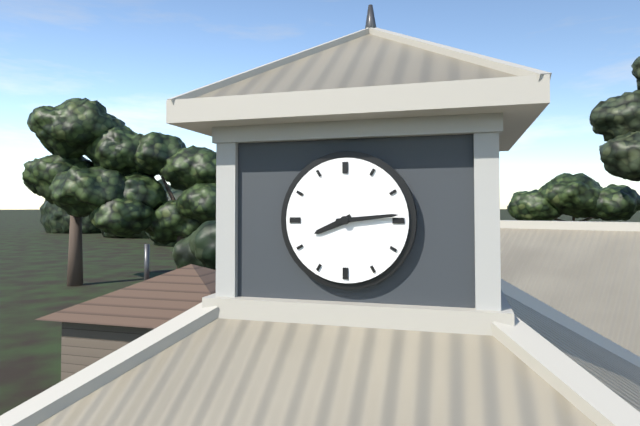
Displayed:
8.14
